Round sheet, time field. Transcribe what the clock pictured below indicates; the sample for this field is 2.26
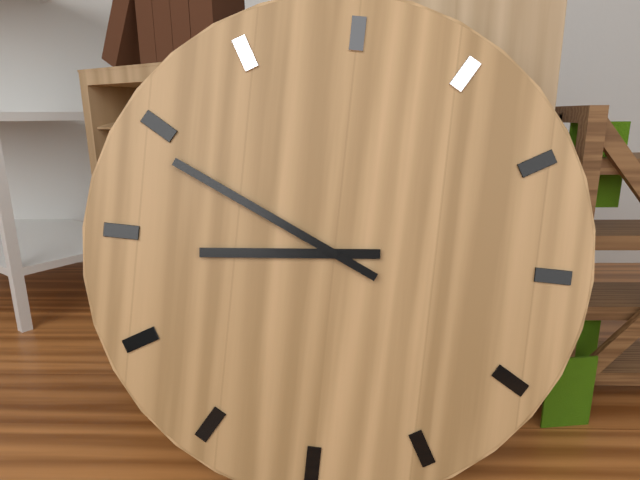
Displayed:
8.49
